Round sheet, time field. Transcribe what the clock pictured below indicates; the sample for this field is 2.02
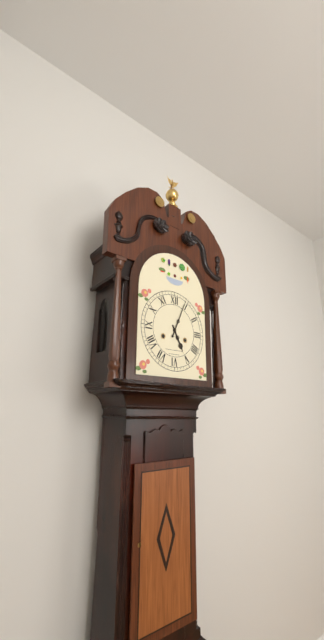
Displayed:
5.04
